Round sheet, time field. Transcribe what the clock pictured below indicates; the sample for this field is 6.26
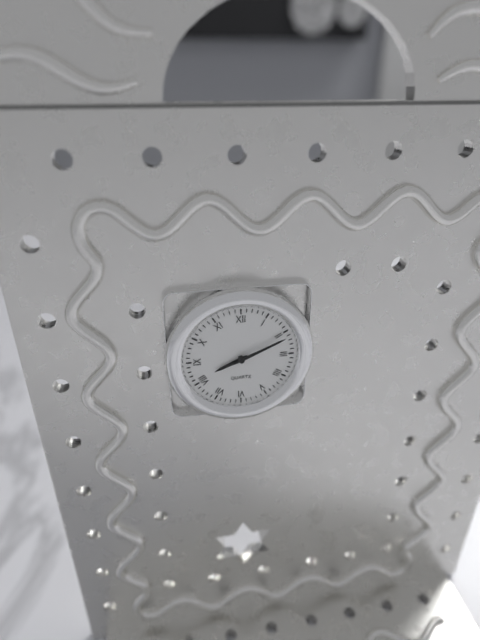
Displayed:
8.11
